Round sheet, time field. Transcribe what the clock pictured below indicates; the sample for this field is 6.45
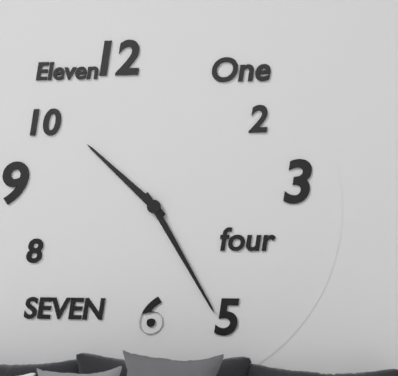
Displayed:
10.25
